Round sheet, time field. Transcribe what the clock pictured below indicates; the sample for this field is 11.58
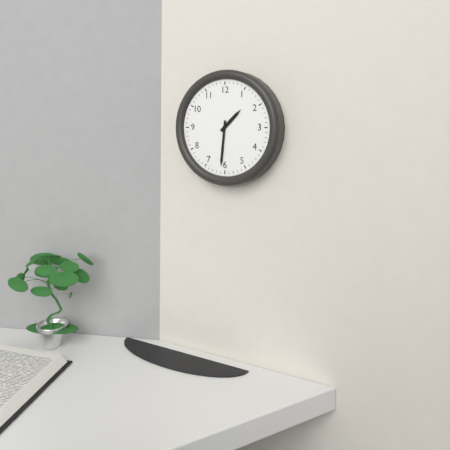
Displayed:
1.31
